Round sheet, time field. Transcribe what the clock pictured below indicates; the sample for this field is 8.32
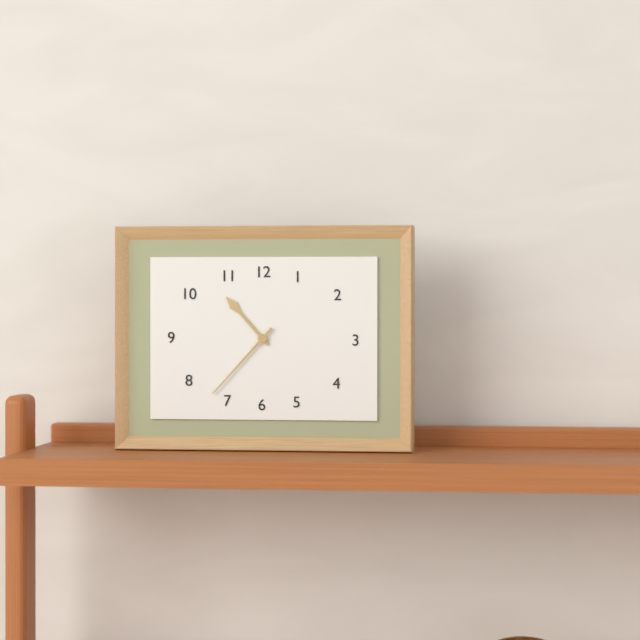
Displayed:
10.37
